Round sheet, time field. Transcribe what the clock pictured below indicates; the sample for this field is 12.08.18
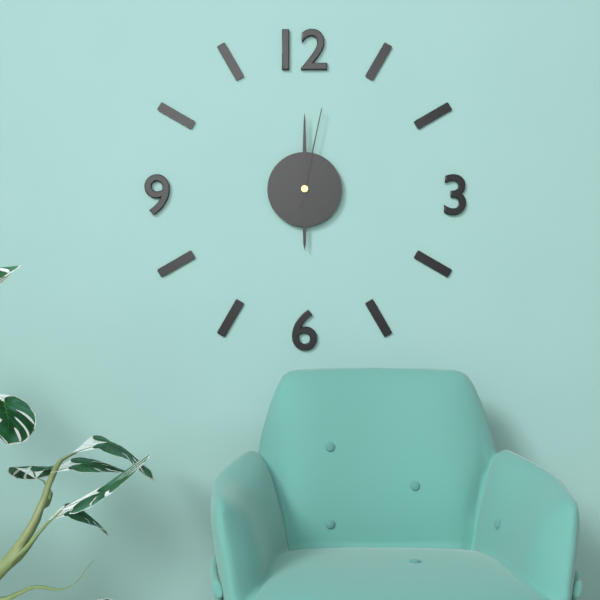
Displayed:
6.00.02
